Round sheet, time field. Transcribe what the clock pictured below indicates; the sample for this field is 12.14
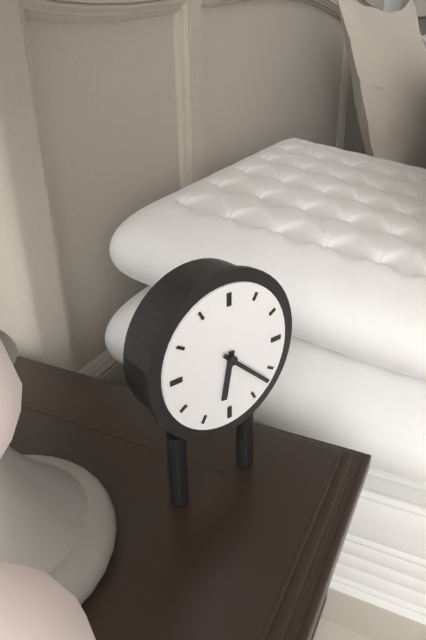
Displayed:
6.22
